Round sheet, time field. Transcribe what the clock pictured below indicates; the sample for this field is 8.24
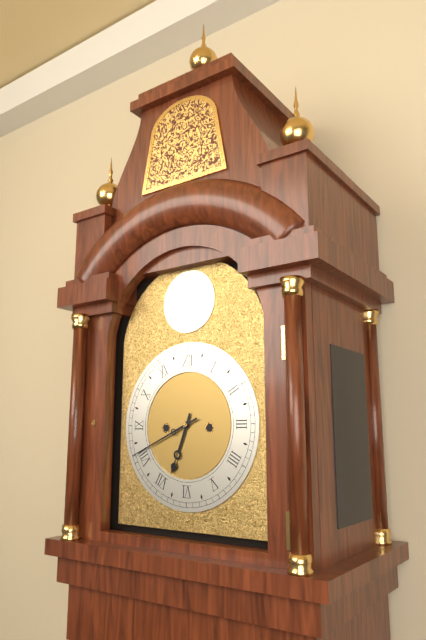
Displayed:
6.41
